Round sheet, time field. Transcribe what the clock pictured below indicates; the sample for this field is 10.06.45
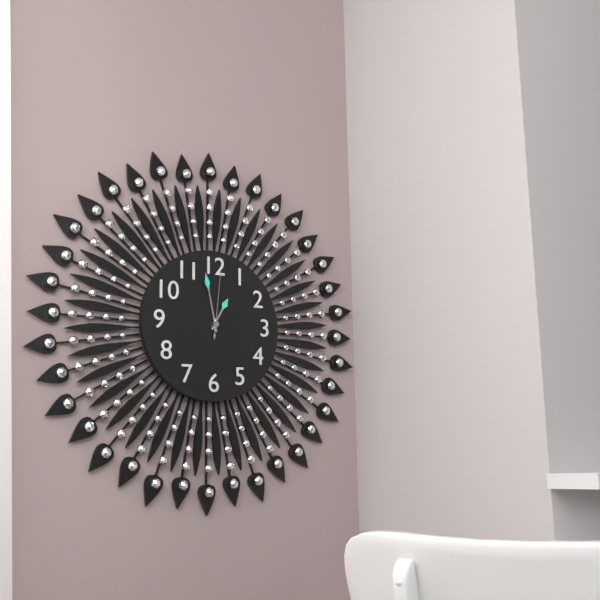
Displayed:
12.58.01
